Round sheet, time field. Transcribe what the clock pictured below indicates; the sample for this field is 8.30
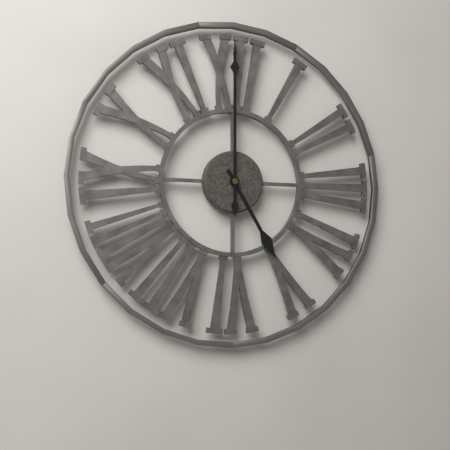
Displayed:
5.00
